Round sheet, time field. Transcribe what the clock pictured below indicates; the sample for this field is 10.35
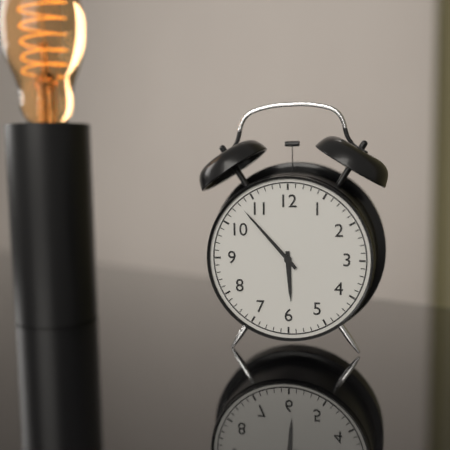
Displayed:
5.53
